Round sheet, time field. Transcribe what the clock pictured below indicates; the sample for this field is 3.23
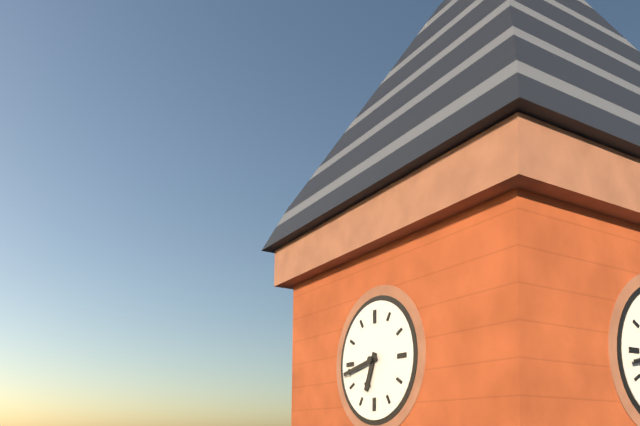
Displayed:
6.43
